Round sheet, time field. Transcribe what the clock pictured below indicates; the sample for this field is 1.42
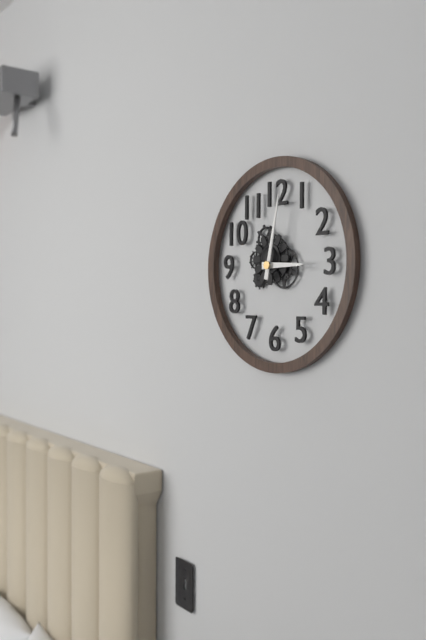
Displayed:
3.02
